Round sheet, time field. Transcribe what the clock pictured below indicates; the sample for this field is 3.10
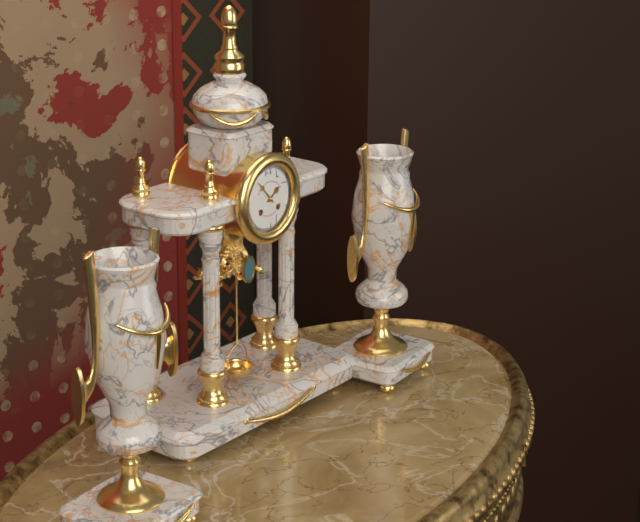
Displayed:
1.53
